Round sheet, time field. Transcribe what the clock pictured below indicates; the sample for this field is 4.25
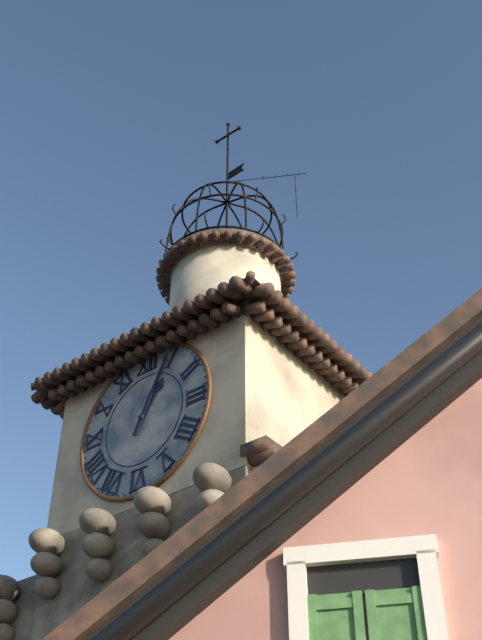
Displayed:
1.04
